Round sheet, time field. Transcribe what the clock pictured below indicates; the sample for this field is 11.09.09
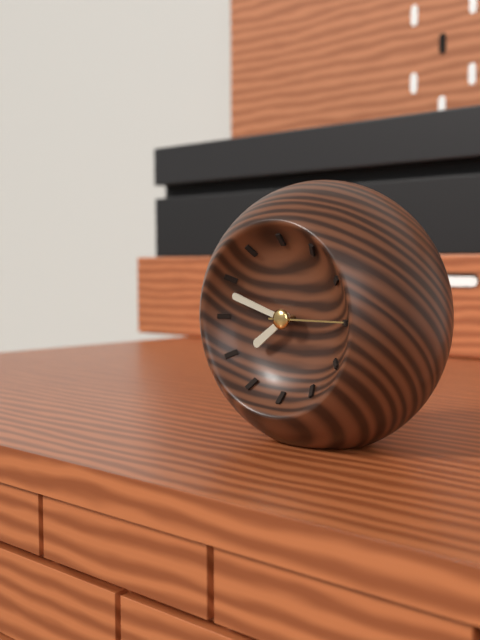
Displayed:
7.48.15
